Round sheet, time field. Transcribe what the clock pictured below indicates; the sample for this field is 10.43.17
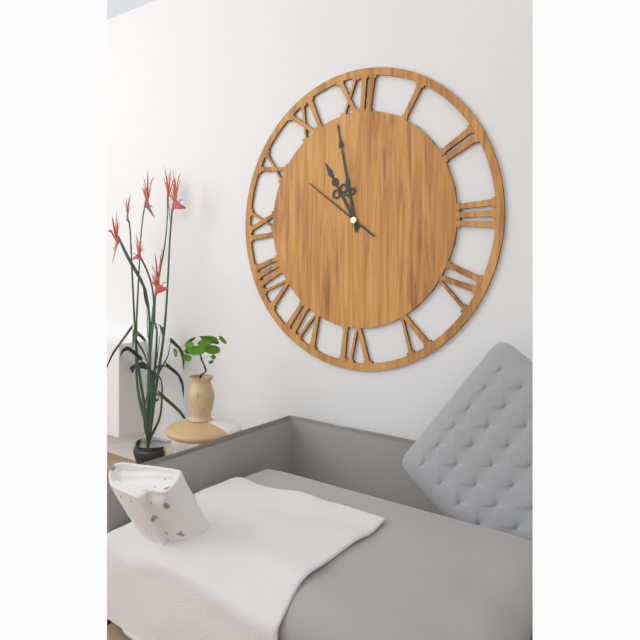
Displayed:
10.58.51
